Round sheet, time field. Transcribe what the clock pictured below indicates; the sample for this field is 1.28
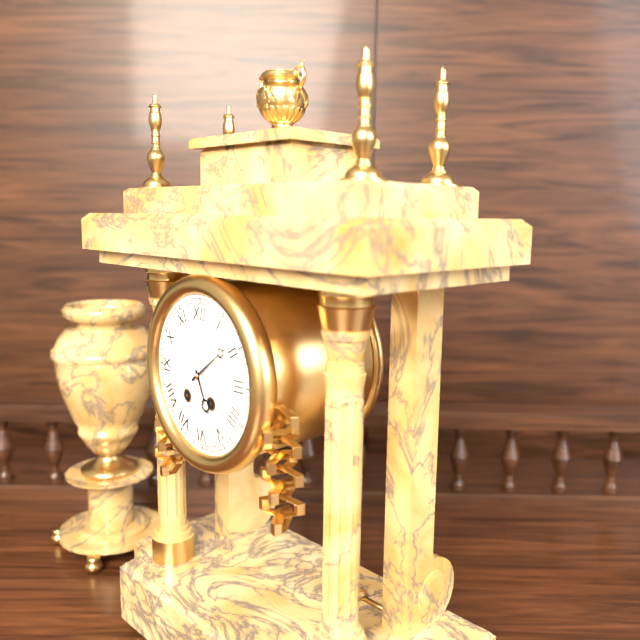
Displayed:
5.09
